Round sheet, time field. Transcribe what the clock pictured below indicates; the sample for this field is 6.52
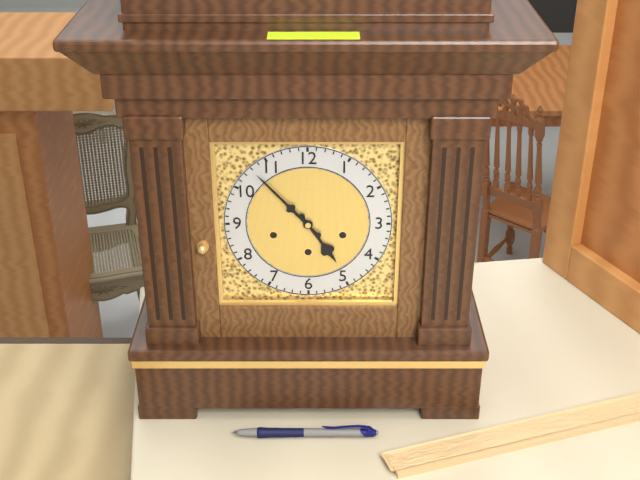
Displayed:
4.53
